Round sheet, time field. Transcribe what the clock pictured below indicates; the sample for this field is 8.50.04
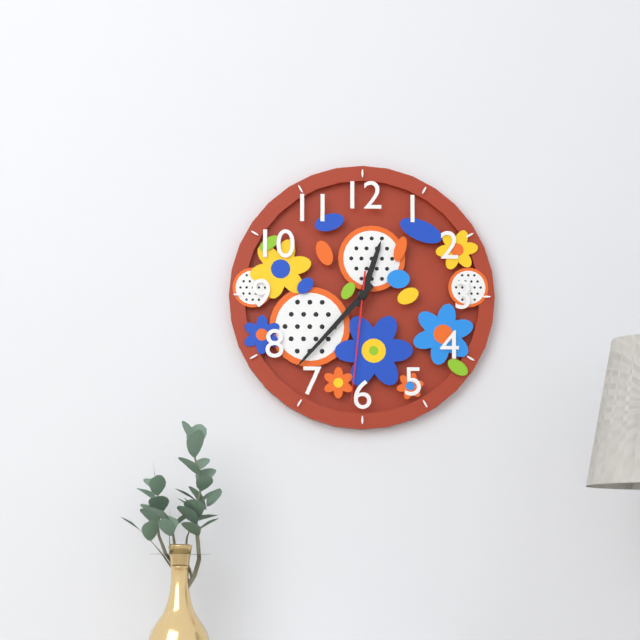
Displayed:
12.37.31
